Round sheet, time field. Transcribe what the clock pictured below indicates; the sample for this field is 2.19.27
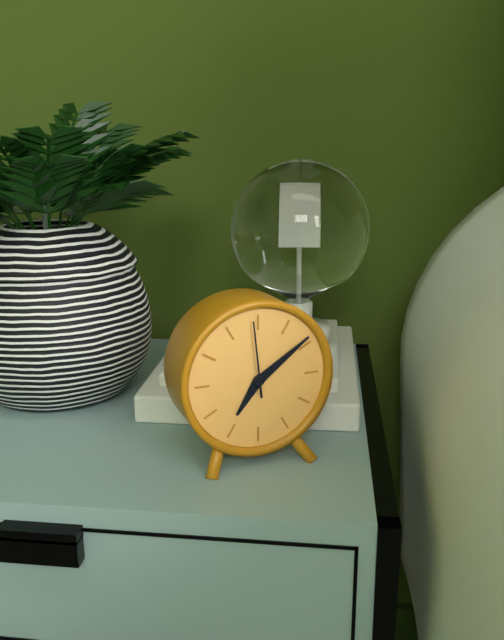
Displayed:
7.09.59
